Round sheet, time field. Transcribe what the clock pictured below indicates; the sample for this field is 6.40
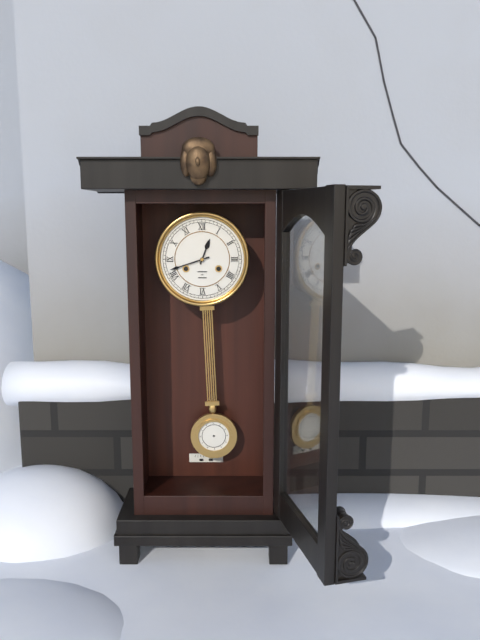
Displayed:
12.42
